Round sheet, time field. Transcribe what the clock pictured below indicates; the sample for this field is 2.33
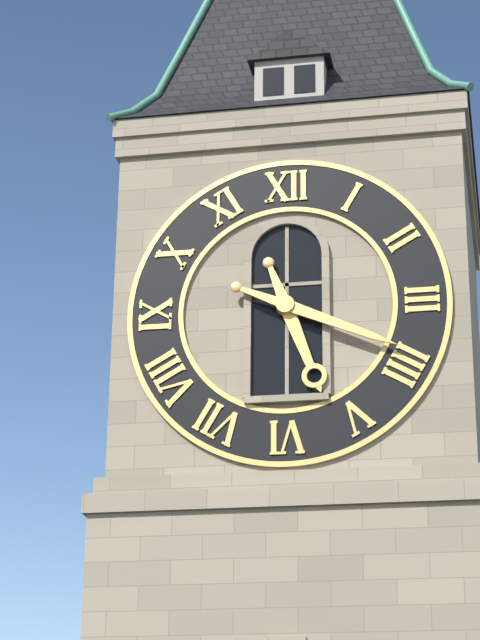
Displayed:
5.19
